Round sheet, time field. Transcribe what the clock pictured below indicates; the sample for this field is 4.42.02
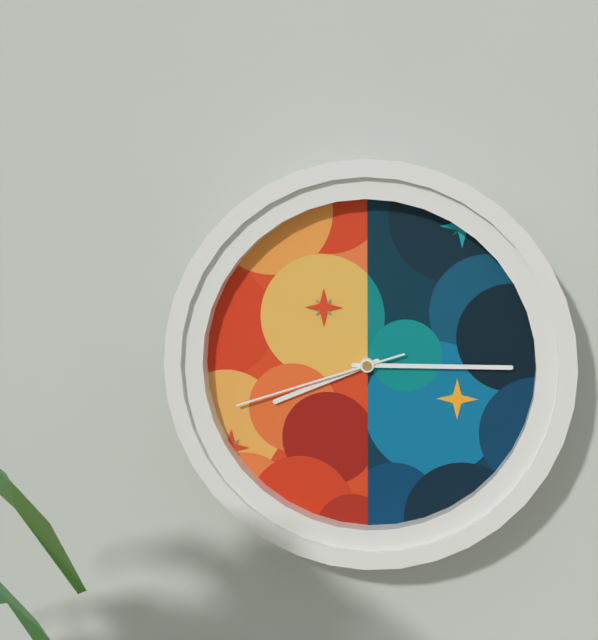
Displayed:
8.15.42
